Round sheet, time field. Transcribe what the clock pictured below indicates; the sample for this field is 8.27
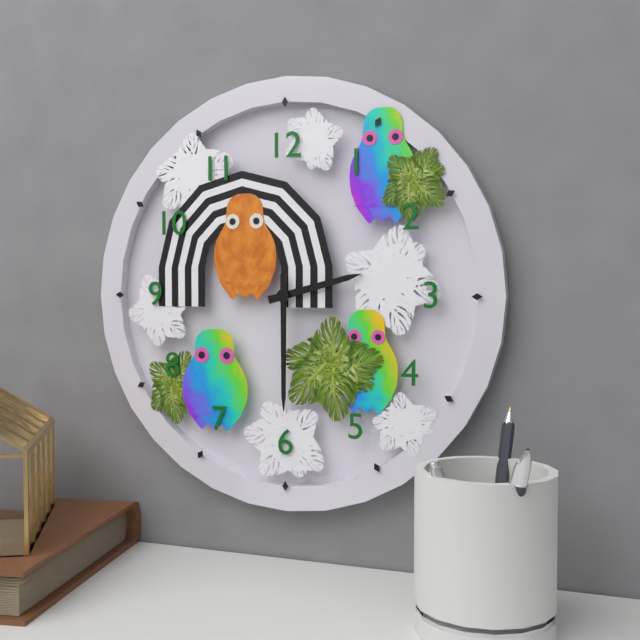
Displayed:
2.30
